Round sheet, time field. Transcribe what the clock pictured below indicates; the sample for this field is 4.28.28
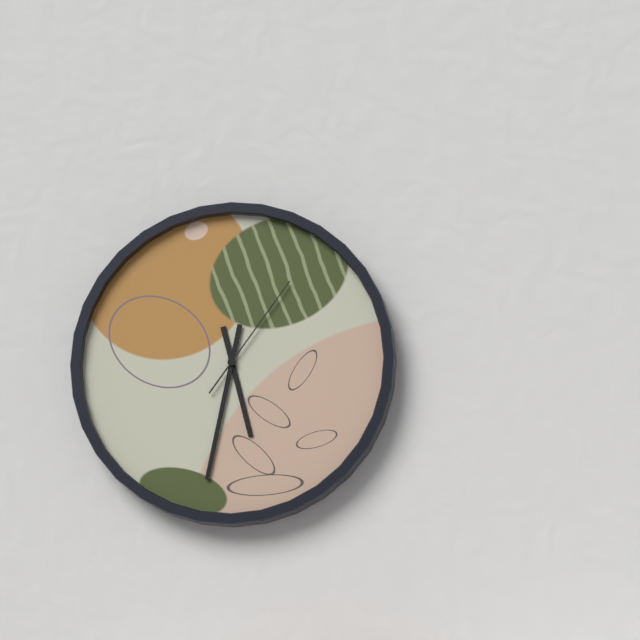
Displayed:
5.32.06
